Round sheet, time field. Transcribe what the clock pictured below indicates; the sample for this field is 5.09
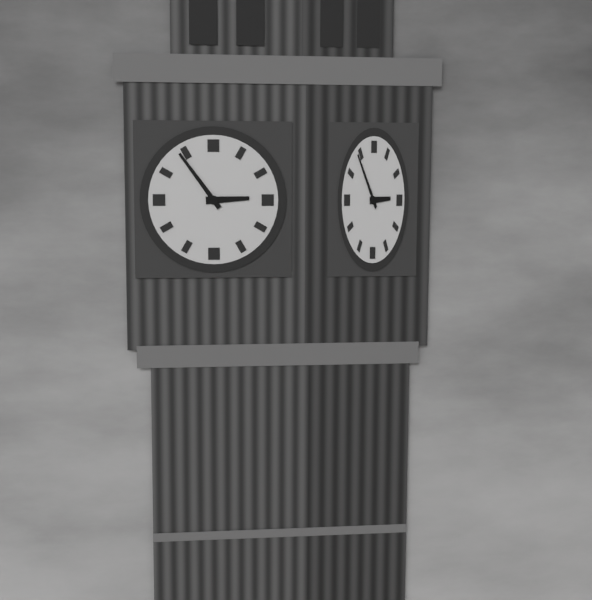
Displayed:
2.54
